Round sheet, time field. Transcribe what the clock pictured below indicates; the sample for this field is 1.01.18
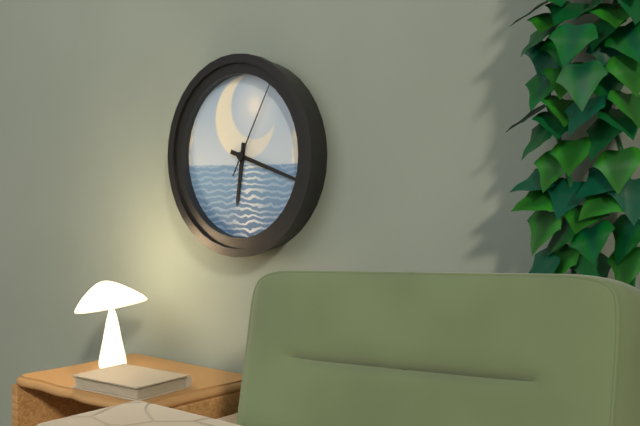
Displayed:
6.18.05
